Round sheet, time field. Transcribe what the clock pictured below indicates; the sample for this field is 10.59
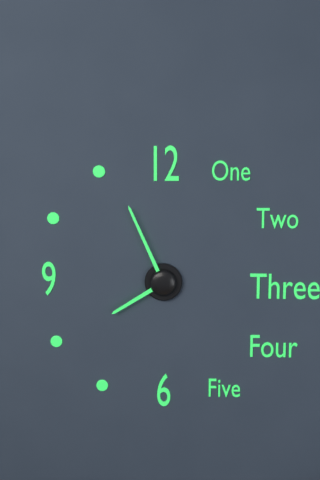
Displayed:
7.56
